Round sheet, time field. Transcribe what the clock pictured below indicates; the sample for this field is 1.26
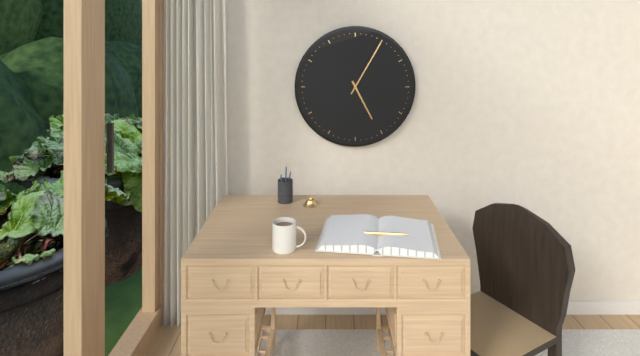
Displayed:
5.05
